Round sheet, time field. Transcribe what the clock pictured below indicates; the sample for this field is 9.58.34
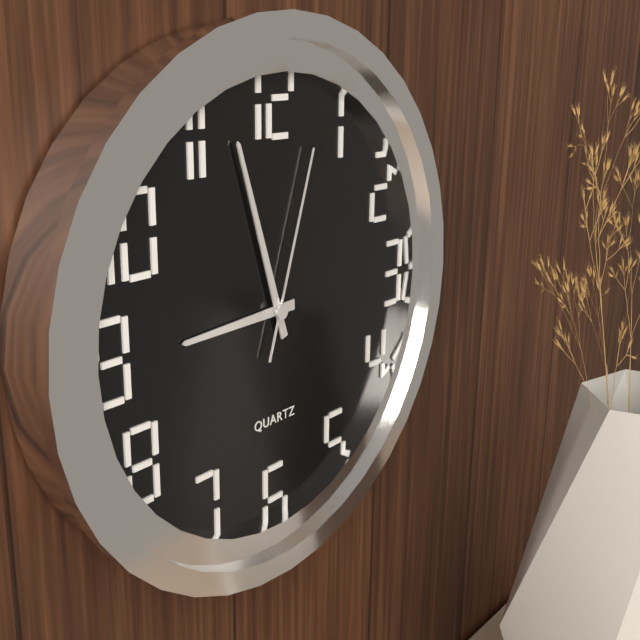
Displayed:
8.57.03
